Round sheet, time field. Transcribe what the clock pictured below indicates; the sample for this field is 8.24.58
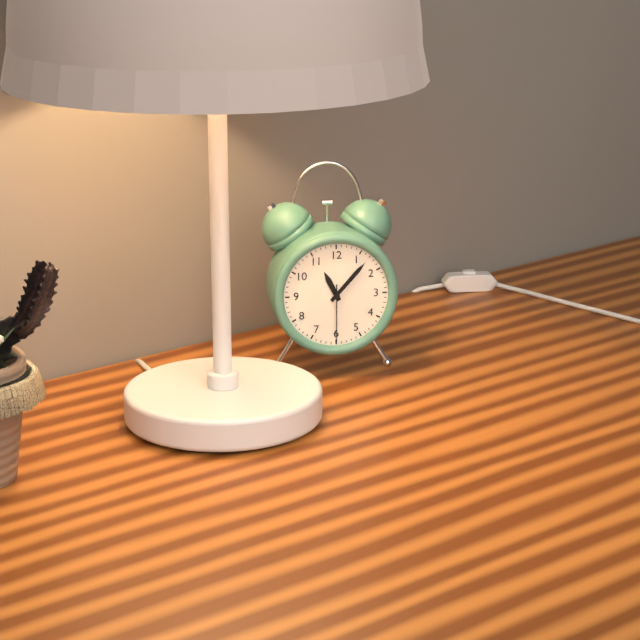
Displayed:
11.07.30
